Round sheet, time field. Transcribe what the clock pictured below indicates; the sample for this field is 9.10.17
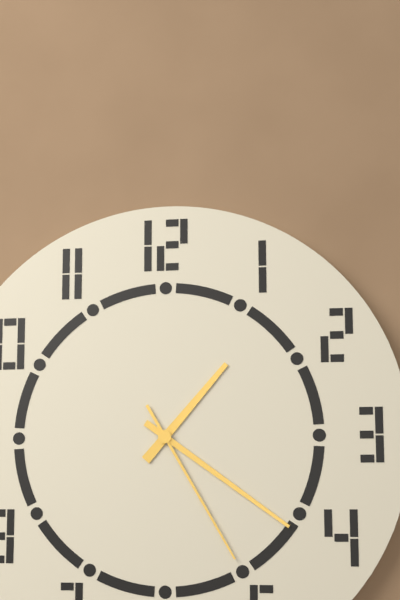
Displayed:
1.21.25
